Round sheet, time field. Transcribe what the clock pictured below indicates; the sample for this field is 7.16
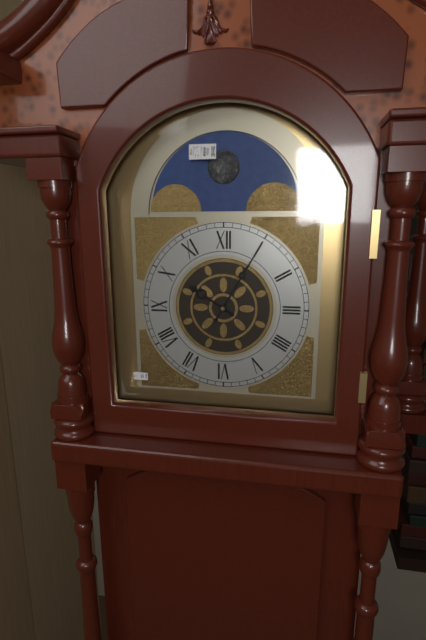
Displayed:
10.05
